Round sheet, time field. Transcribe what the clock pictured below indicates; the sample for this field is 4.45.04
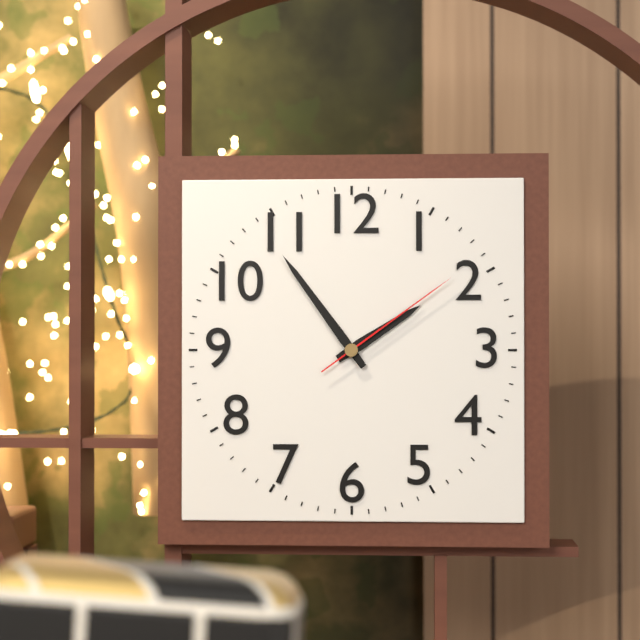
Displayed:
1.54.09
